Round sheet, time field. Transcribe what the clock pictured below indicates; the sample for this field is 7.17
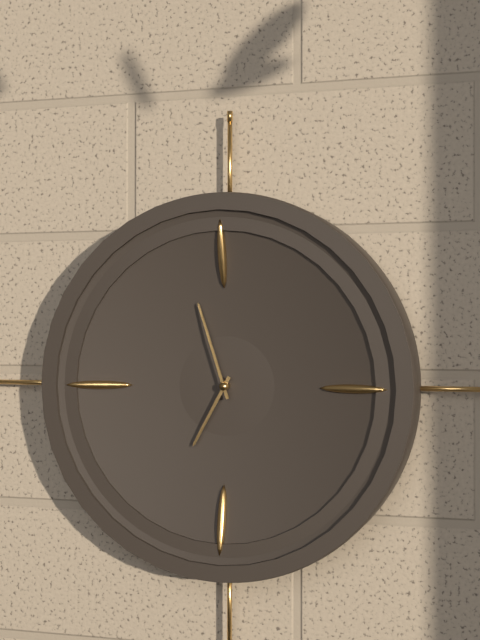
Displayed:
6.57
